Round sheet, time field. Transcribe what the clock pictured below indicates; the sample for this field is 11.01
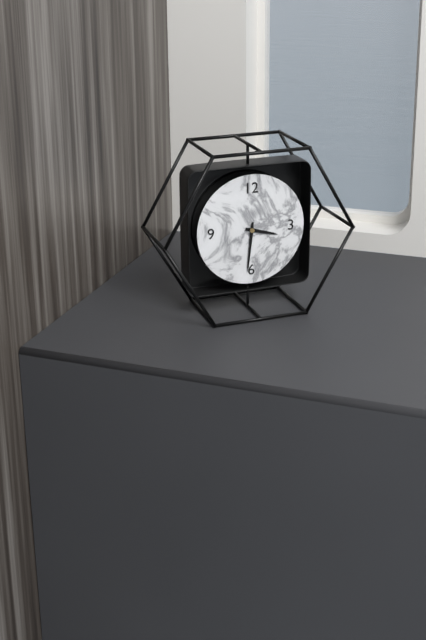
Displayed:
3.31
